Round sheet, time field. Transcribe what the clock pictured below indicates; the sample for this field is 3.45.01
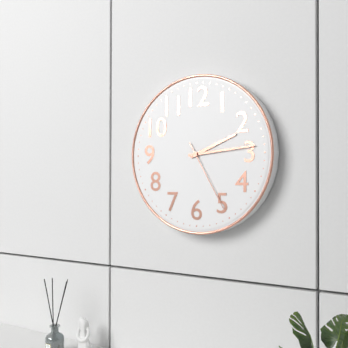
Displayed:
2.14.25
